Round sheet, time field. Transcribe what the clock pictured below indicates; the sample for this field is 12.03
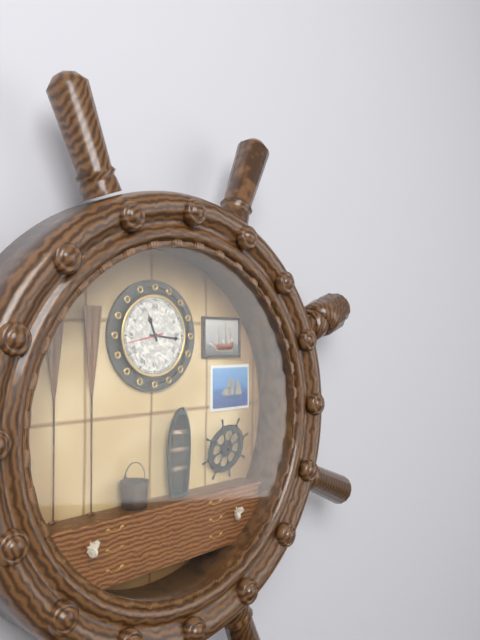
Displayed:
11.16
